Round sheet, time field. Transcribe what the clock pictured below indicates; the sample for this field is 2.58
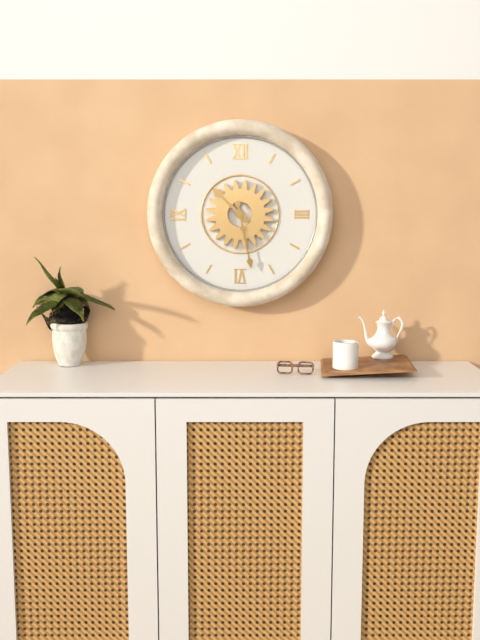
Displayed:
10.28
